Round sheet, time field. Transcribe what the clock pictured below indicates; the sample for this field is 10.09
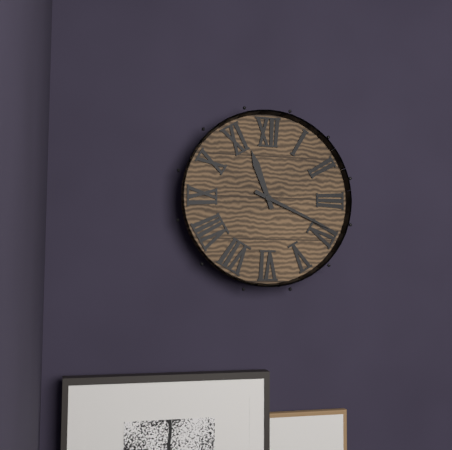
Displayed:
11.19
